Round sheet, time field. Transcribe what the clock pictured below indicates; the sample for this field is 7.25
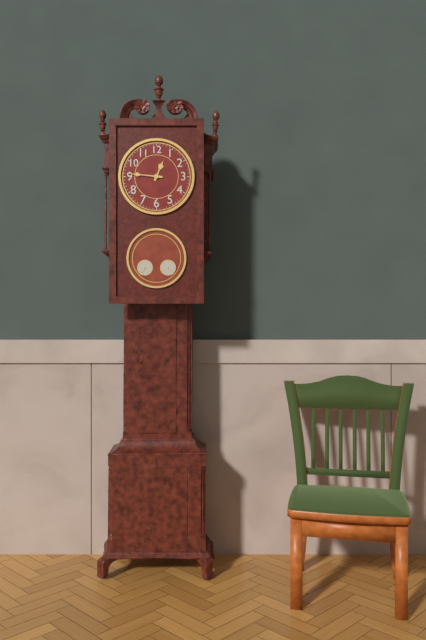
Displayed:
12.46
